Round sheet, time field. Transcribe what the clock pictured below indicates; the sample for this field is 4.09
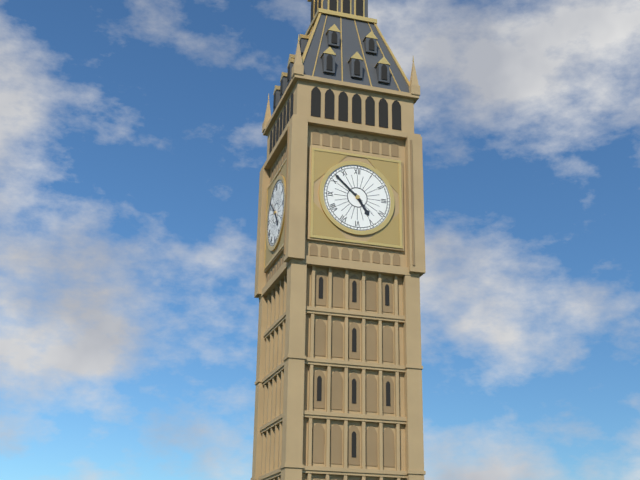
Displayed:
4.52
